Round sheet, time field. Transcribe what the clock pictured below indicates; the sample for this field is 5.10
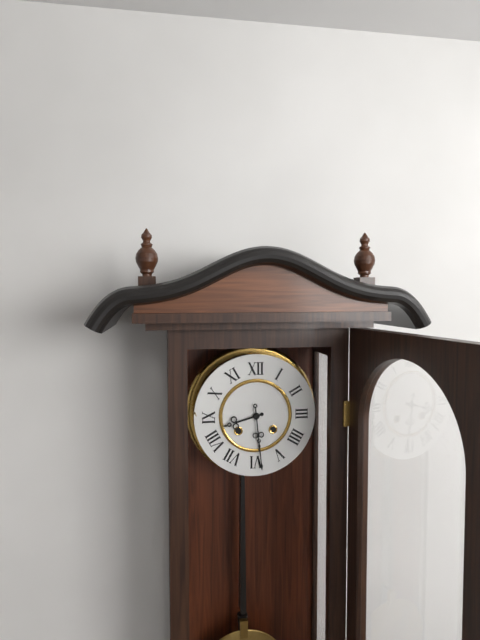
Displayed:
8.29
